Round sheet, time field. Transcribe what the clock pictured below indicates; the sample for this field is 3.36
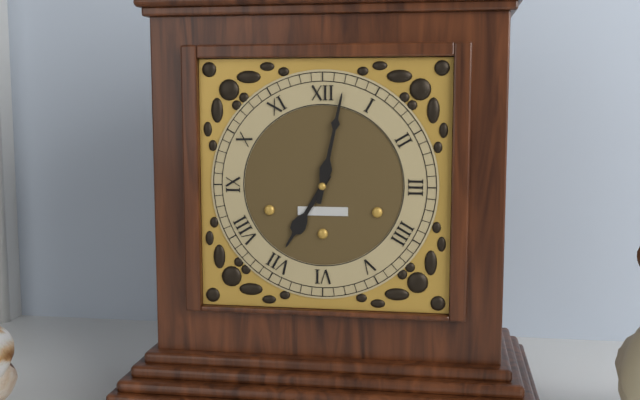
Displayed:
7.02
